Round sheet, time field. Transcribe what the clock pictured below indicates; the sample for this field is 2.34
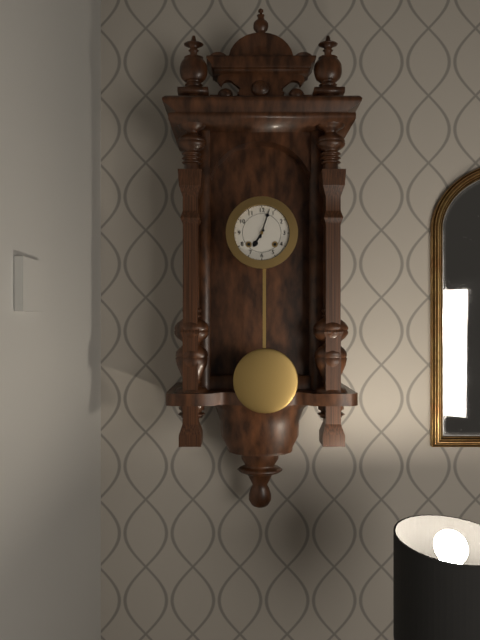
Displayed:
7.03
